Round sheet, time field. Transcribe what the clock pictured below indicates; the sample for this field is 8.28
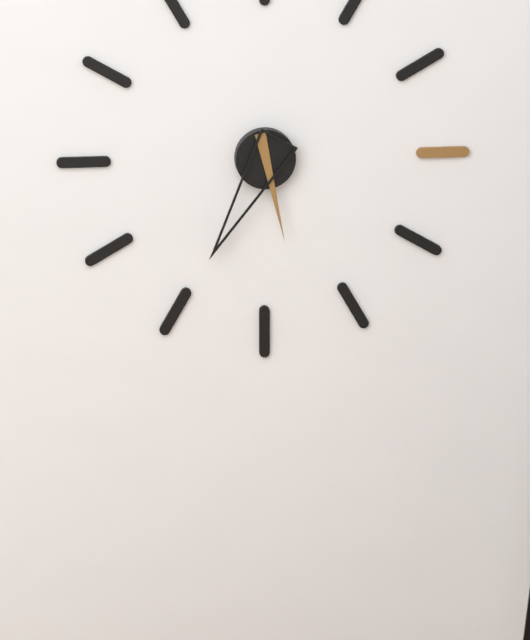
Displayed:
5.35
